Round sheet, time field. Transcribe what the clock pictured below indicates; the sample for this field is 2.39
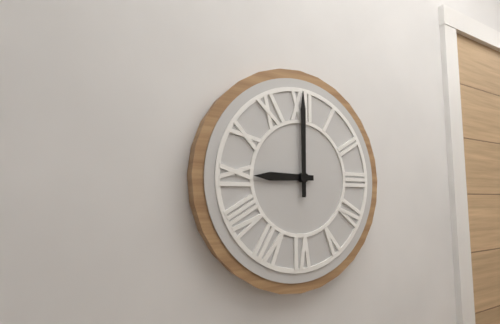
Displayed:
9.00
